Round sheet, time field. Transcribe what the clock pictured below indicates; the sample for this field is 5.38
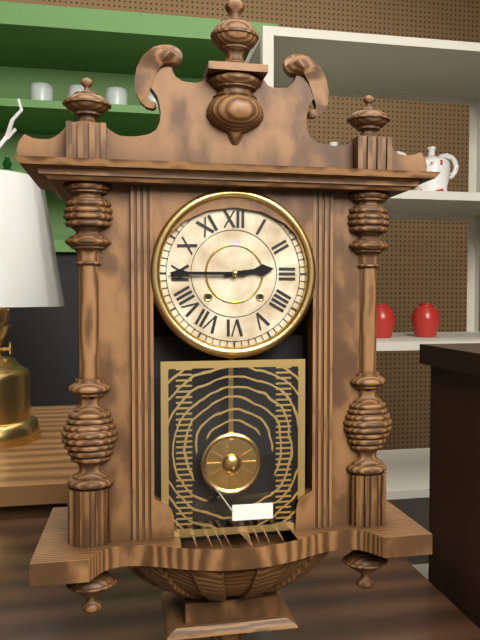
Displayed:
2.45
